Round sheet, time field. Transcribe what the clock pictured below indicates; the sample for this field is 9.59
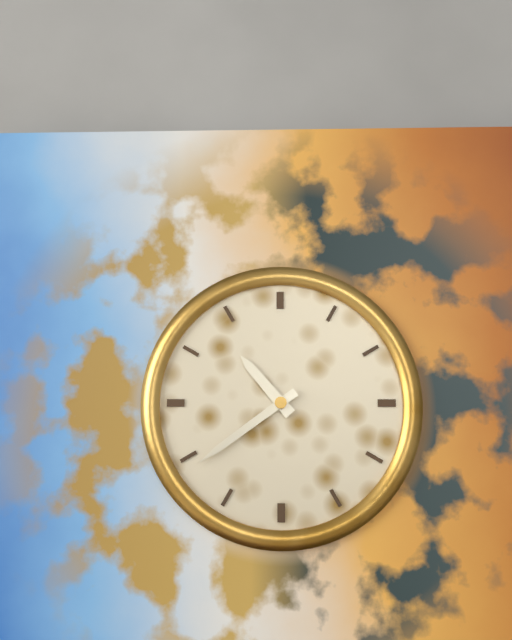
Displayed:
10.39
